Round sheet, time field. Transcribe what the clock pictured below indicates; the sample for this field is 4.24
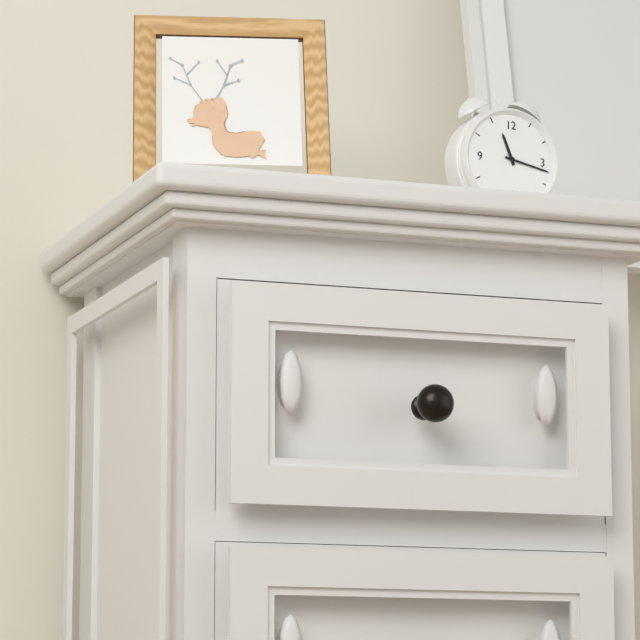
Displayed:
11.17
